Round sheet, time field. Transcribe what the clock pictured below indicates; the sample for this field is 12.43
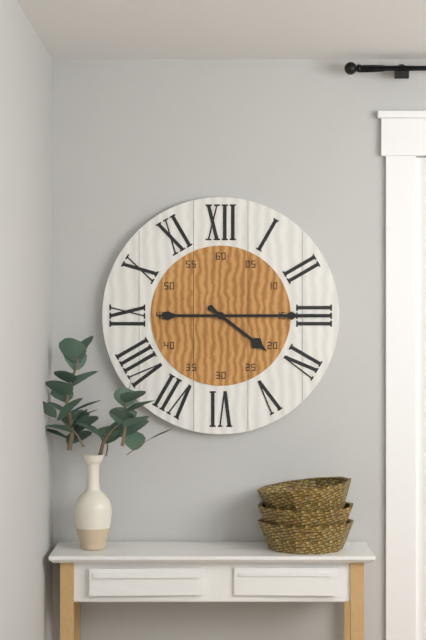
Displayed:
4.15
